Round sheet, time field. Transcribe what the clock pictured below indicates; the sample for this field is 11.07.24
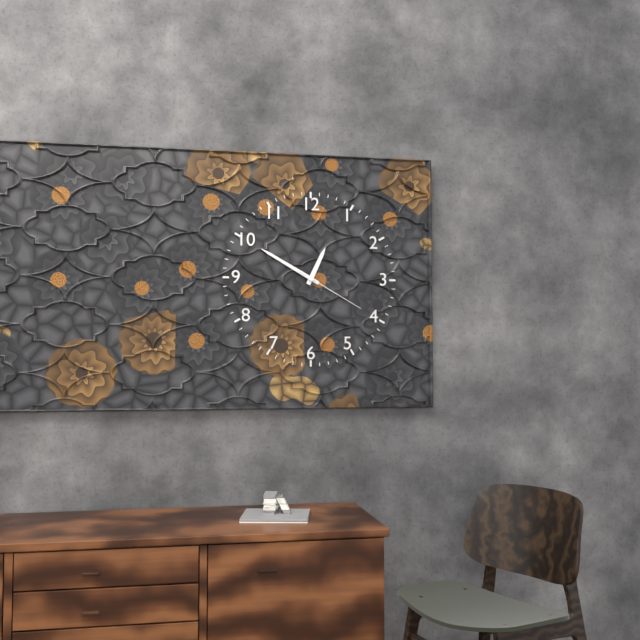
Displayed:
12.50.20
